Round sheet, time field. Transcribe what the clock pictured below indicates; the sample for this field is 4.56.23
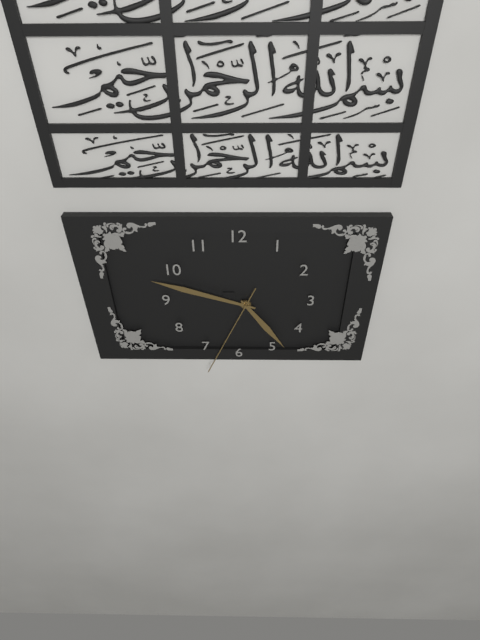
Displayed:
4.48.34
